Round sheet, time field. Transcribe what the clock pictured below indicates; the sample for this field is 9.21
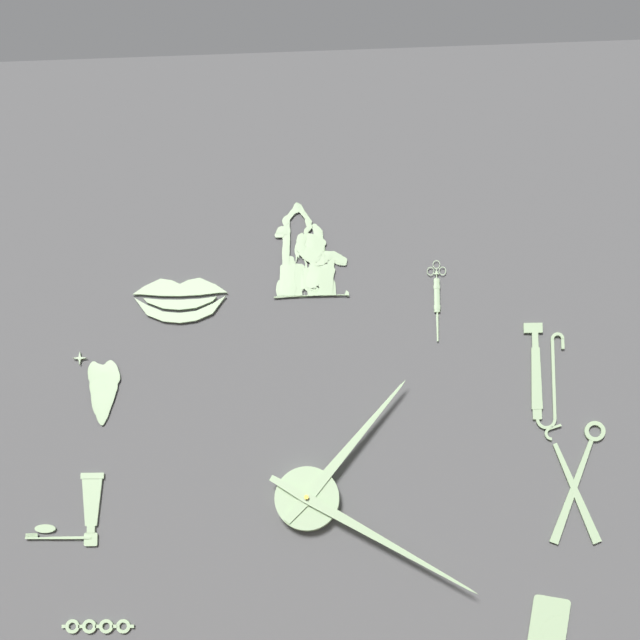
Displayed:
1.20
